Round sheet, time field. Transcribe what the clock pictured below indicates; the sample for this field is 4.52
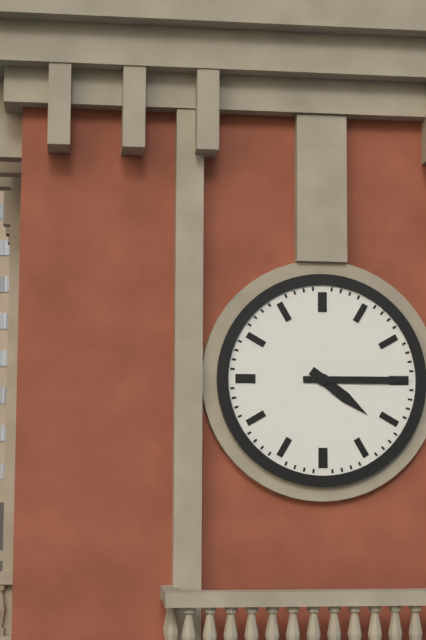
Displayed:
4.15
